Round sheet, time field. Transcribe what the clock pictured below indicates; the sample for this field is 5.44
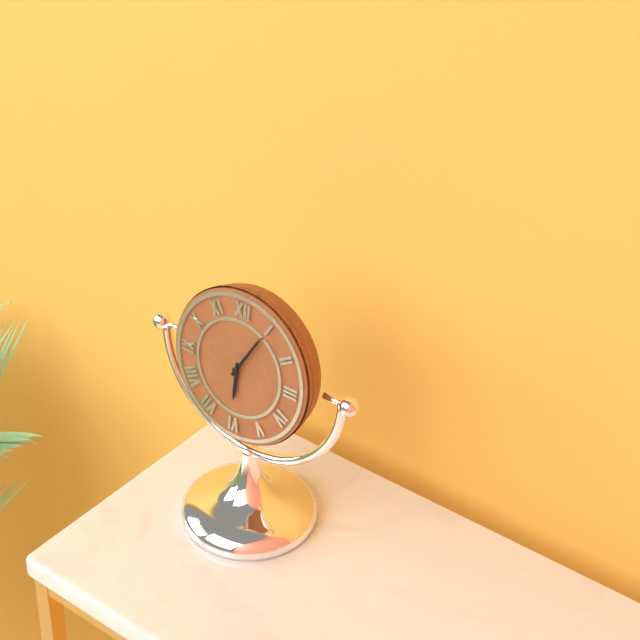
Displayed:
6.05
